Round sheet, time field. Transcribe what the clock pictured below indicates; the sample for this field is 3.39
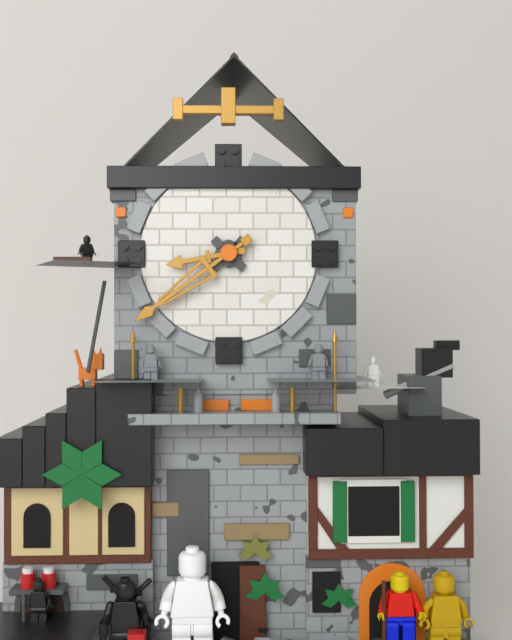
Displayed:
8.39
